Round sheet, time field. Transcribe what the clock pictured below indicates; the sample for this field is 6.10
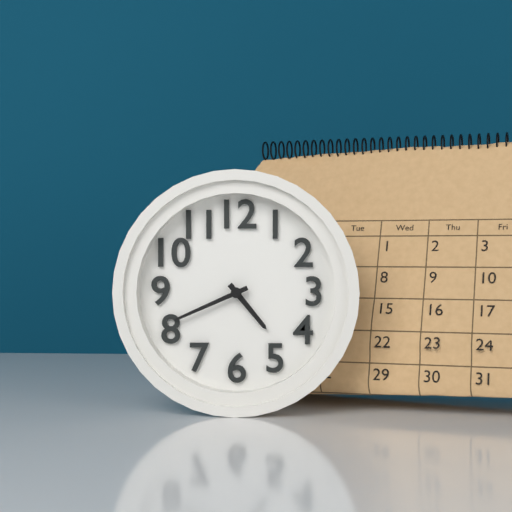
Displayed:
4.41
